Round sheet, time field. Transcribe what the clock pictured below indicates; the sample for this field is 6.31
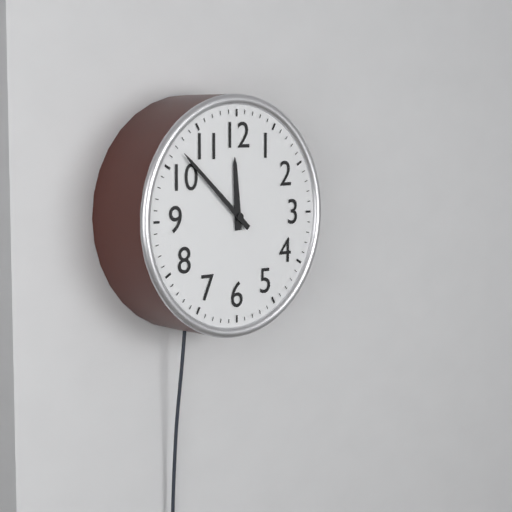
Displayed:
11.52
